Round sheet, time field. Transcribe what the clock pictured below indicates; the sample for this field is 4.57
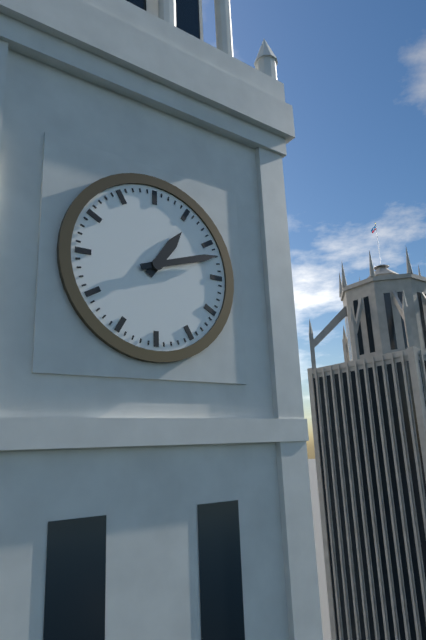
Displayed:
1.12
